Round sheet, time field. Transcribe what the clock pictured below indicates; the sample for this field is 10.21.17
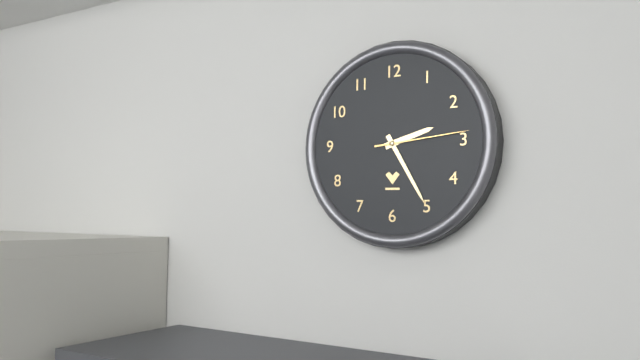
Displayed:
2.25.14
